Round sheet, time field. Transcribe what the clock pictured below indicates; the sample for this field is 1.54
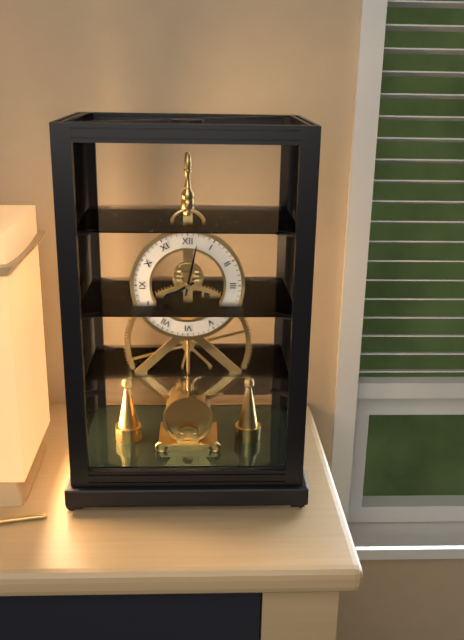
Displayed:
8.02
